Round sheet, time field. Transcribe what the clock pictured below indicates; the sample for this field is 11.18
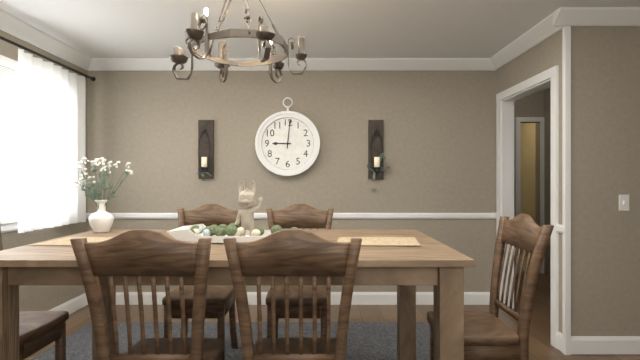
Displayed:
9.01
